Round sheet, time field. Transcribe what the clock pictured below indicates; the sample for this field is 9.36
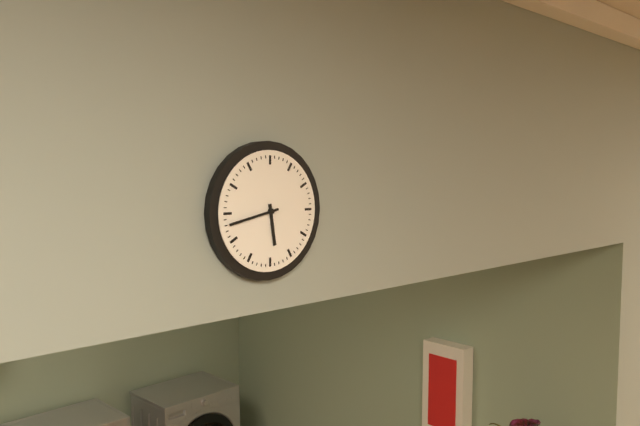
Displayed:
5.43
